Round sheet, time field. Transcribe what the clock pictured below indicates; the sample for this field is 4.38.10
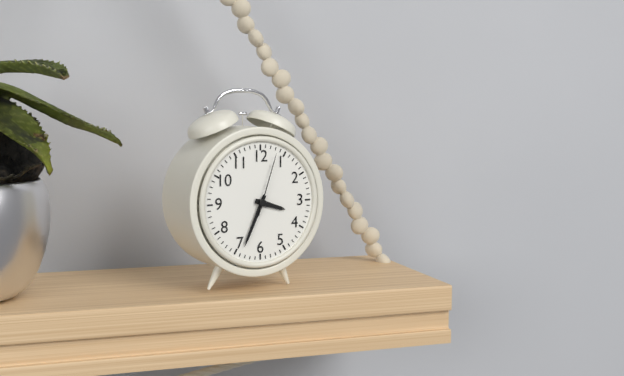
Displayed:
3.34.03
